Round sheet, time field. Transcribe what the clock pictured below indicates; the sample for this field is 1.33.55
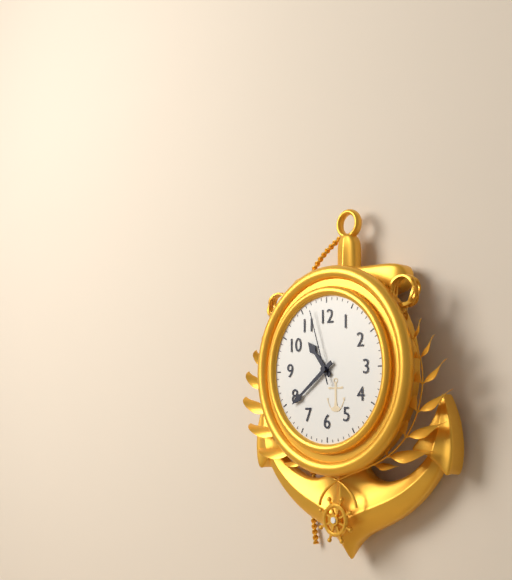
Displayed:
10.39.57
